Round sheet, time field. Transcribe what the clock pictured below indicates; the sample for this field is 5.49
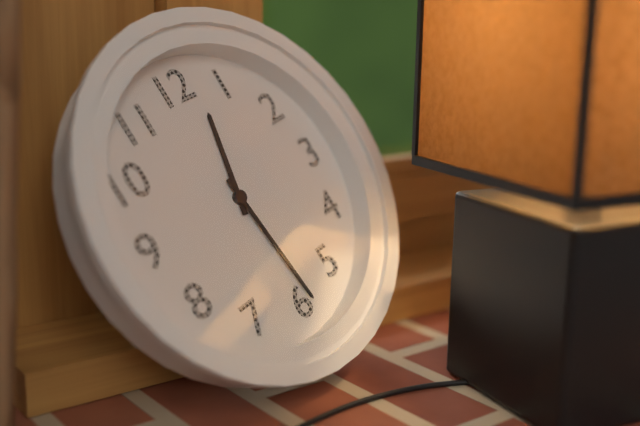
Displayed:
12.29
